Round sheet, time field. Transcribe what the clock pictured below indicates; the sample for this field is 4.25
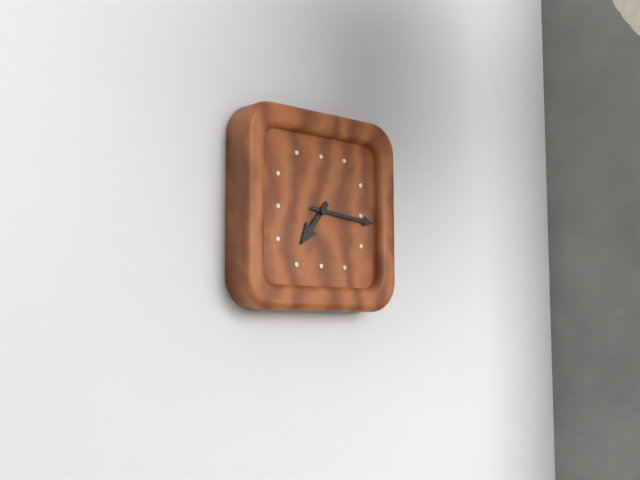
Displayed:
7.16
